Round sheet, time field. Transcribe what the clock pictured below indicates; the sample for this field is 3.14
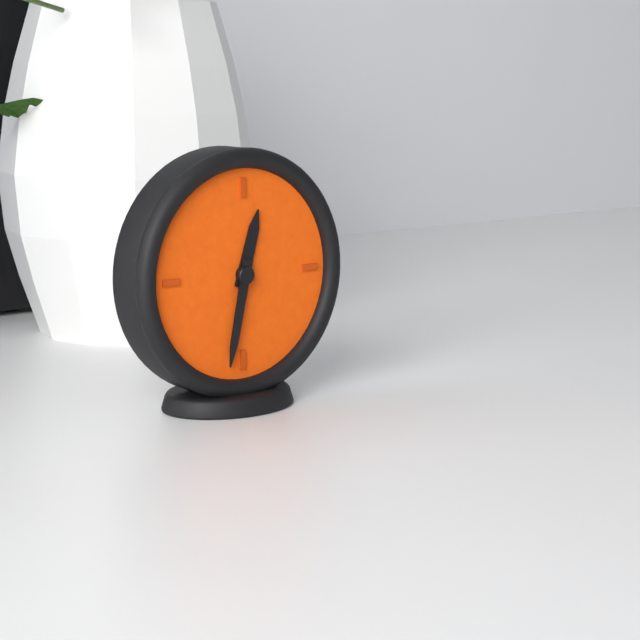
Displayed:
12.32
